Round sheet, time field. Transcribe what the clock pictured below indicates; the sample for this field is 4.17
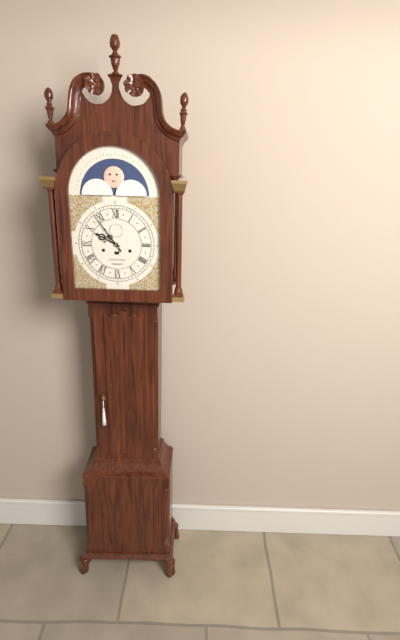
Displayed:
9.54
